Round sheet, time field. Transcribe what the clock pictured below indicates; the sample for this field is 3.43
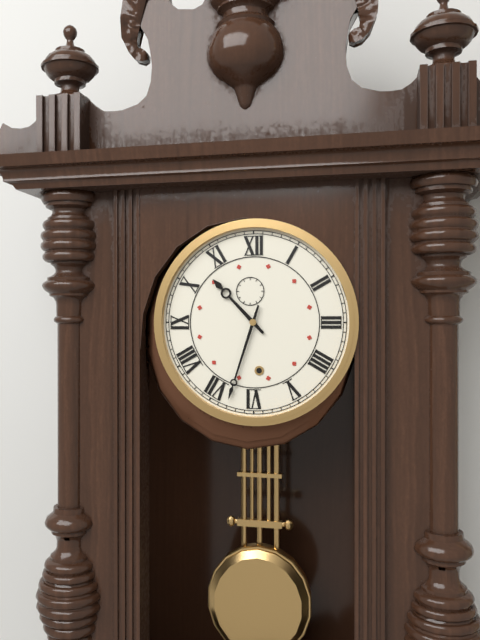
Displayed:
10.33
